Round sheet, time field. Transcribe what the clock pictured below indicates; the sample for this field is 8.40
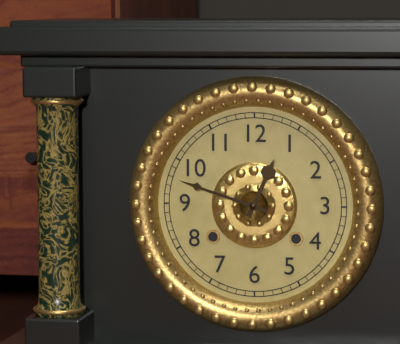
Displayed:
12.48
